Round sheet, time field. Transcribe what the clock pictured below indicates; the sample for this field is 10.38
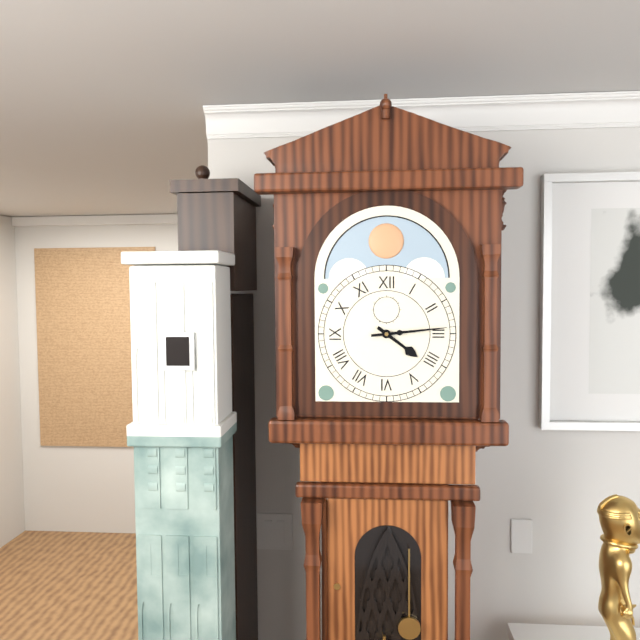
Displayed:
4.14
